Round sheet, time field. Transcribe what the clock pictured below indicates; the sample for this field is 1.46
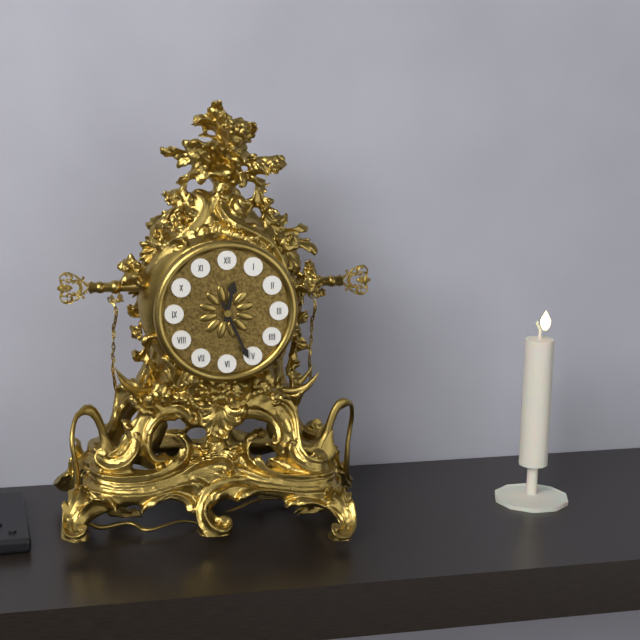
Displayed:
12.26
